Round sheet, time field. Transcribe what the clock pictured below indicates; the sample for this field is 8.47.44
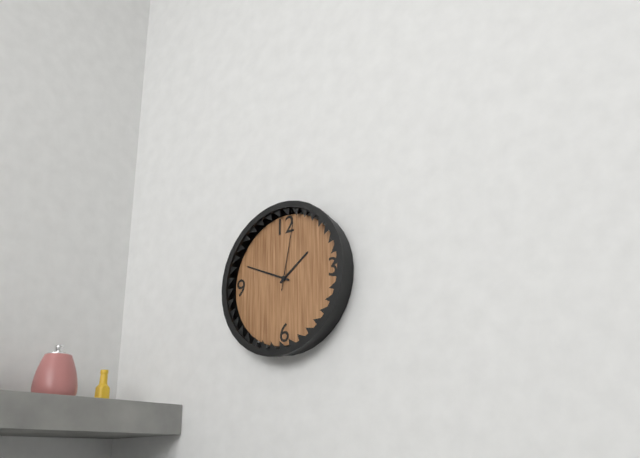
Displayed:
1.49.02
